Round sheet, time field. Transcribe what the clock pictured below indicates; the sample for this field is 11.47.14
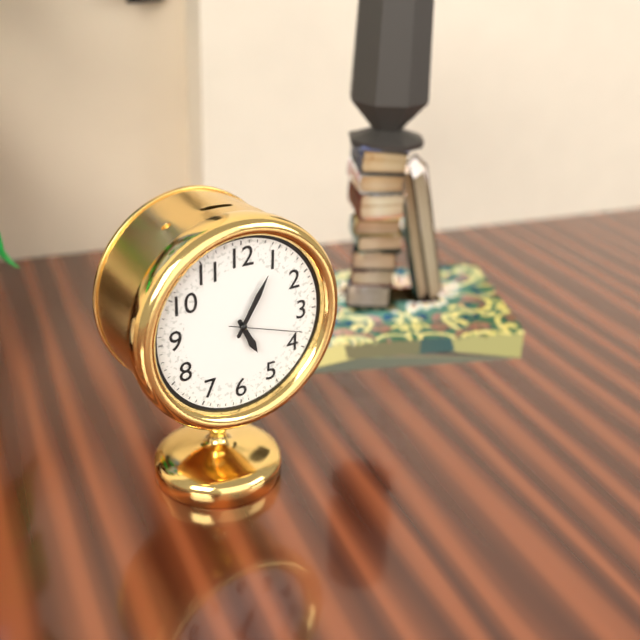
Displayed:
5.05.18
